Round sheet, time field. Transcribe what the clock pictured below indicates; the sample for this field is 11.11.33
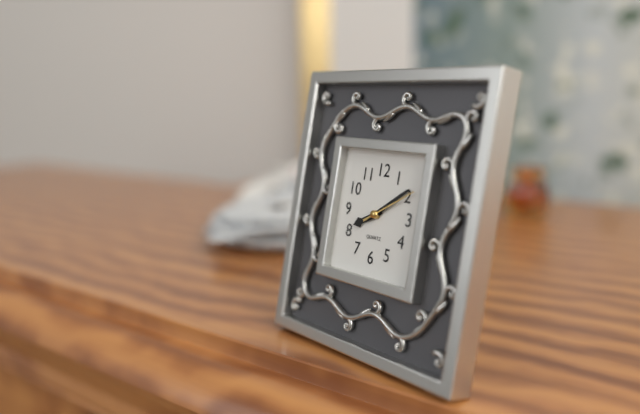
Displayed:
8.09.10
